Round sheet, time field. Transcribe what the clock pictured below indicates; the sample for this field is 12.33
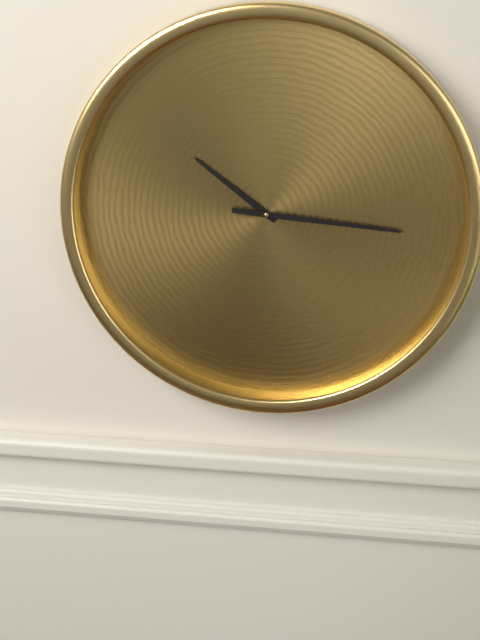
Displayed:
10.16
